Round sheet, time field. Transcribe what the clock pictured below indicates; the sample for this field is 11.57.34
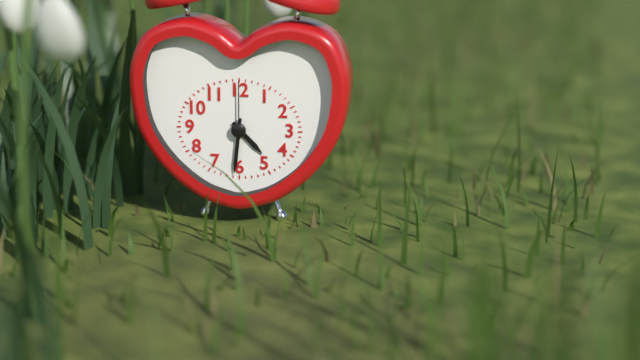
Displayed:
4.31.00
